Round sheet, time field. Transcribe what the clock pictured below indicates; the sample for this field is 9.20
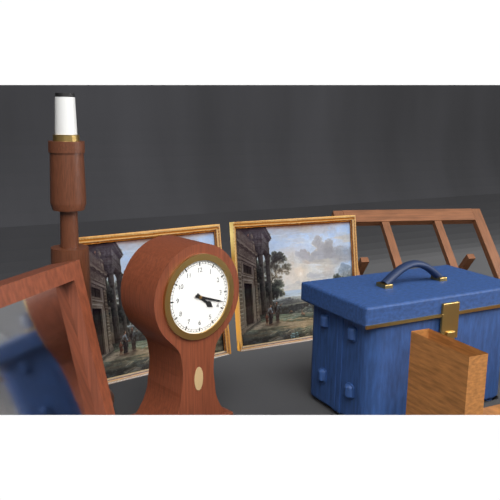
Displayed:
4.18
